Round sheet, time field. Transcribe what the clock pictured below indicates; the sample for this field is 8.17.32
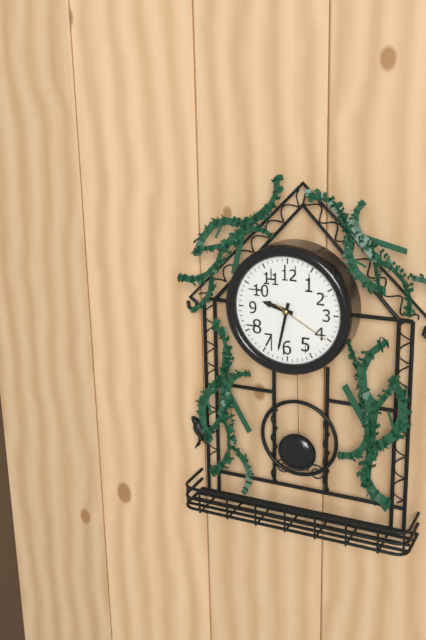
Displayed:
9.32.20
